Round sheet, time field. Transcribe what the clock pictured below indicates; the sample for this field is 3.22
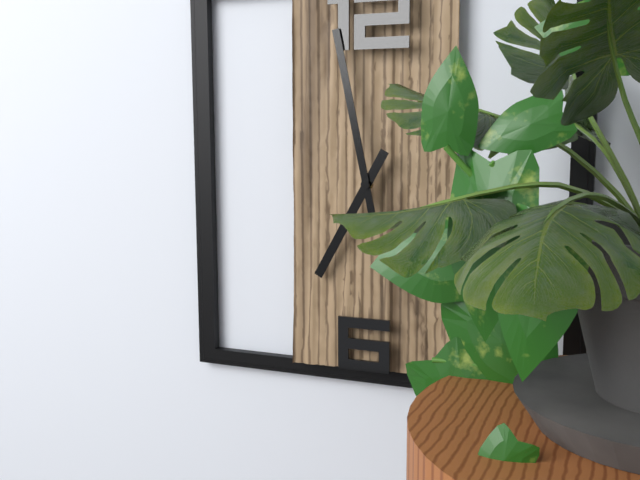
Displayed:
6.58
